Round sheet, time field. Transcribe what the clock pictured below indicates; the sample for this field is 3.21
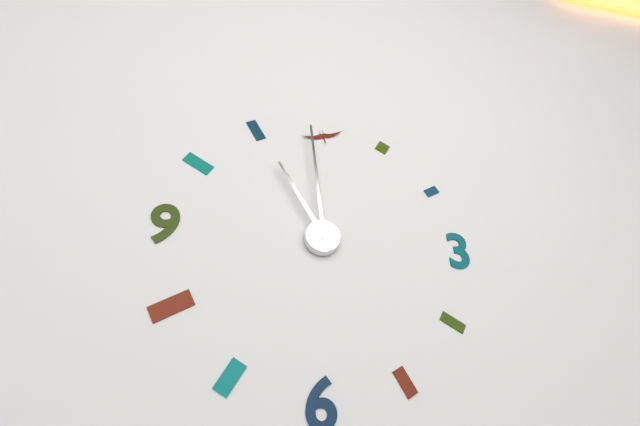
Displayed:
10.59
